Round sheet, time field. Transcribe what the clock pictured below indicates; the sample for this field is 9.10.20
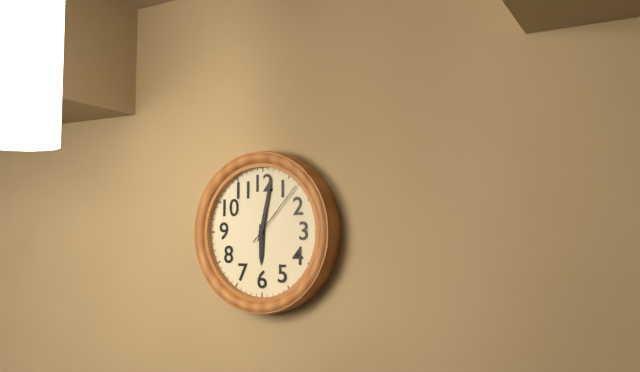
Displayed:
6.02.07
